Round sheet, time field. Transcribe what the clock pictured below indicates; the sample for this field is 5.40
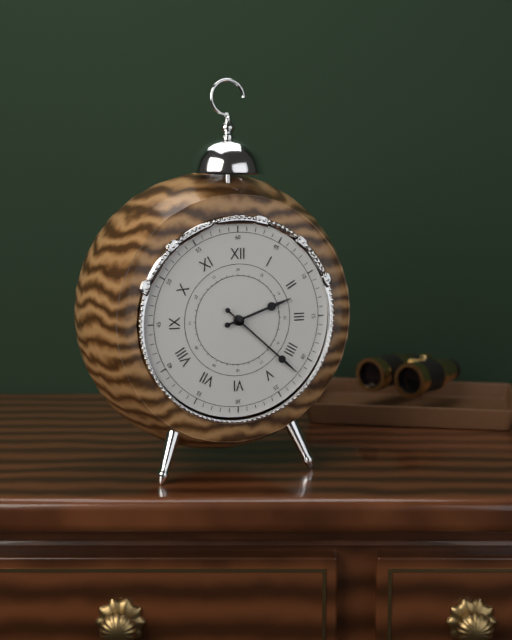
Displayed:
2.22
